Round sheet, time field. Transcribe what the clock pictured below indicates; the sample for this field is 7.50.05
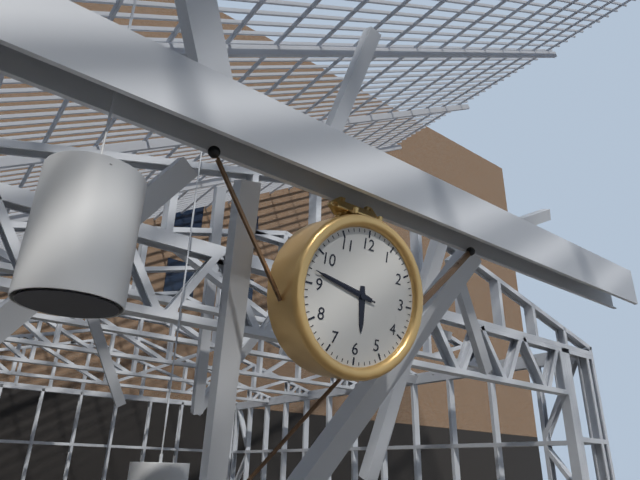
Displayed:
5.47.47
